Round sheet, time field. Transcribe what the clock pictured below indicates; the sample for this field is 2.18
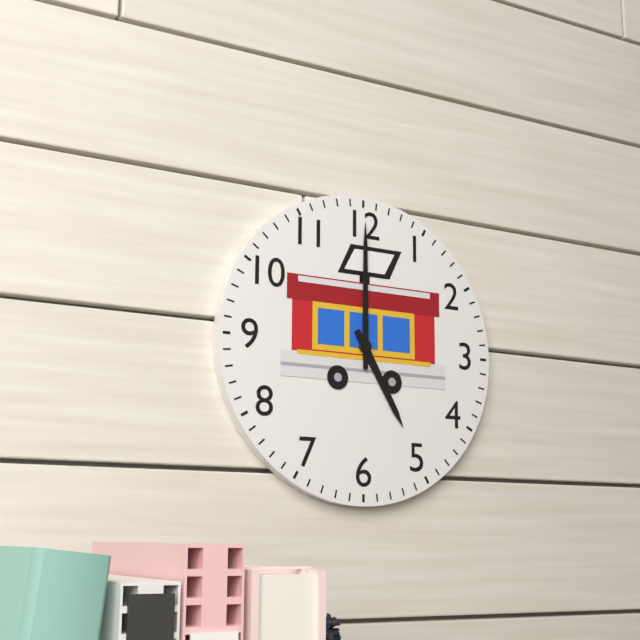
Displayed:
5.00
